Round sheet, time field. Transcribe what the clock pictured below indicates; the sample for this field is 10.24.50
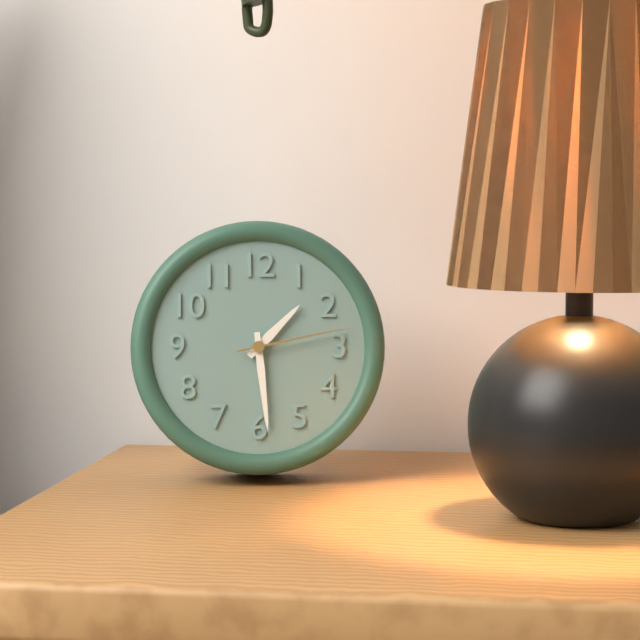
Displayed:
1.29.13
